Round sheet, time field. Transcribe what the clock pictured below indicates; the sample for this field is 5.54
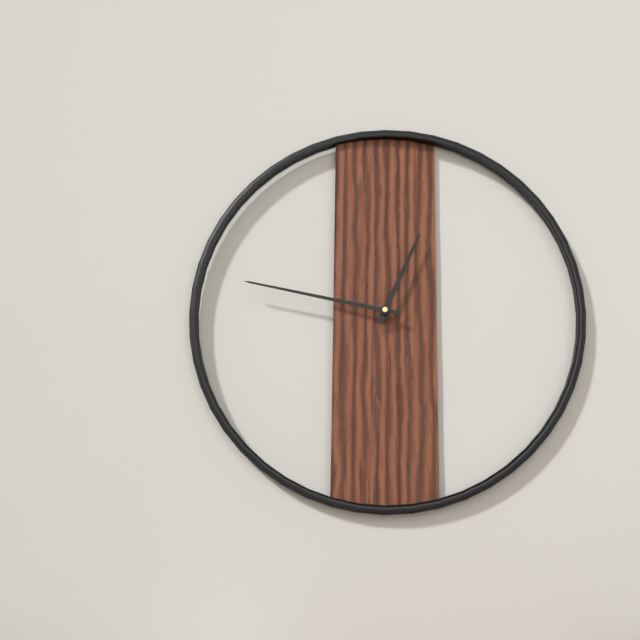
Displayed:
12.47
